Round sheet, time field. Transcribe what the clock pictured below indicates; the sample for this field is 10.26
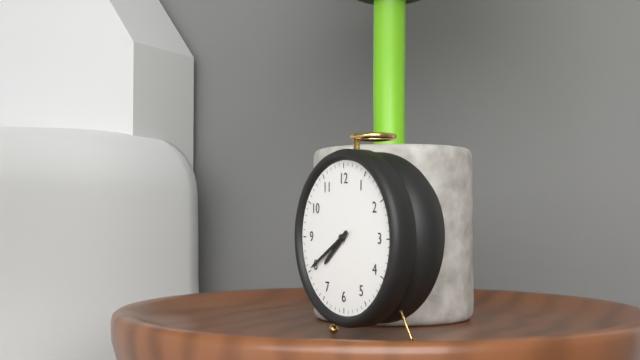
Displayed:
7.40
